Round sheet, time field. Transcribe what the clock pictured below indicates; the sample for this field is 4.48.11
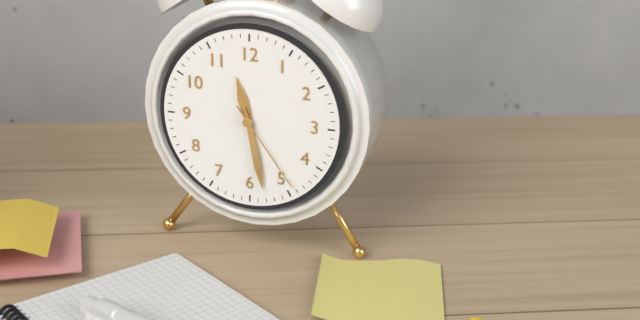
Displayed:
11.28.24
